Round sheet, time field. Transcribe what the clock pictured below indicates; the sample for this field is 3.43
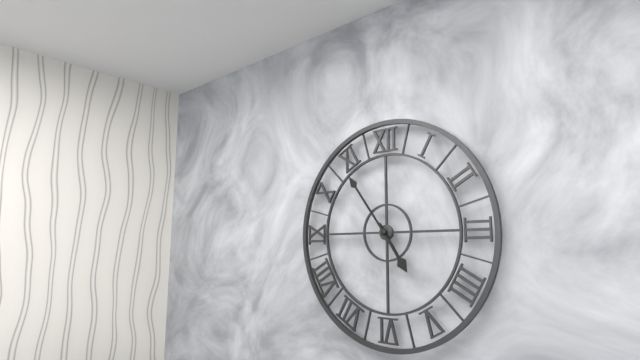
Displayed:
4.54
